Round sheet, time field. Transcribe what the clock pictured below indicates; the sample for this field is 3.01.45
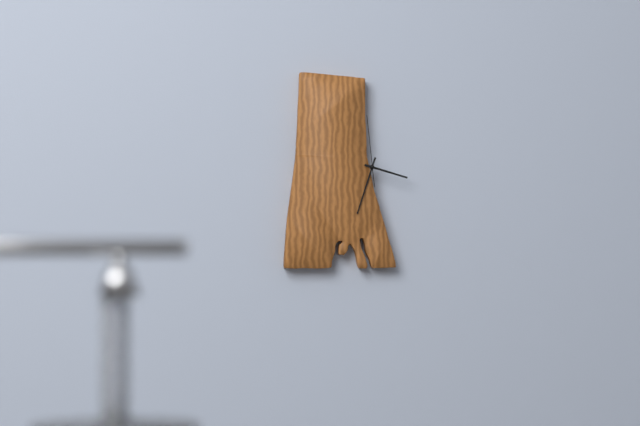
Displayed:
3.33.59
